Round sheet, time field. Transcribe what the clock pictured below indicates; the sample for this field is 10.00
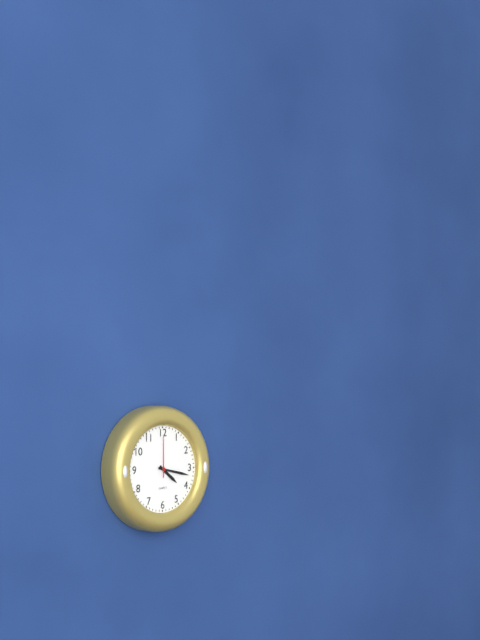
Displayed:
4.17
